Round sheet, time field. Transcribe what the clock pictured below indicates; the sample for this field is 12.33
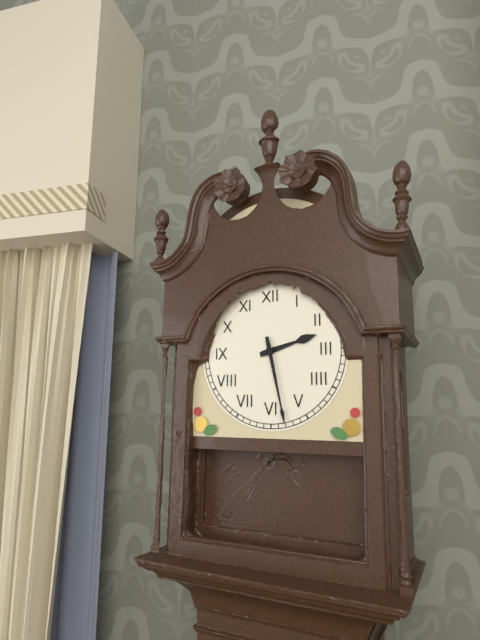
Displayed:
2.28
